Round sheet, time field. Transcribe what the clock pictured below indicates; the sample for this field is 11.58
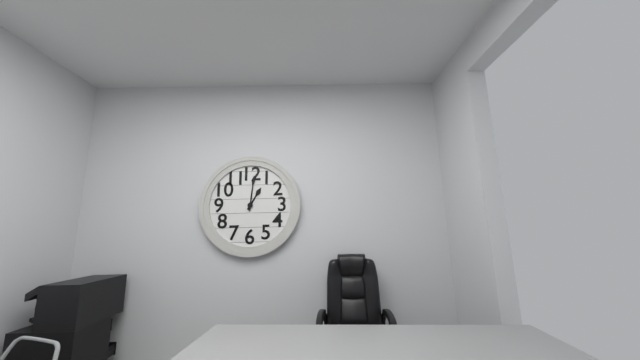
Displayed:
1.01
